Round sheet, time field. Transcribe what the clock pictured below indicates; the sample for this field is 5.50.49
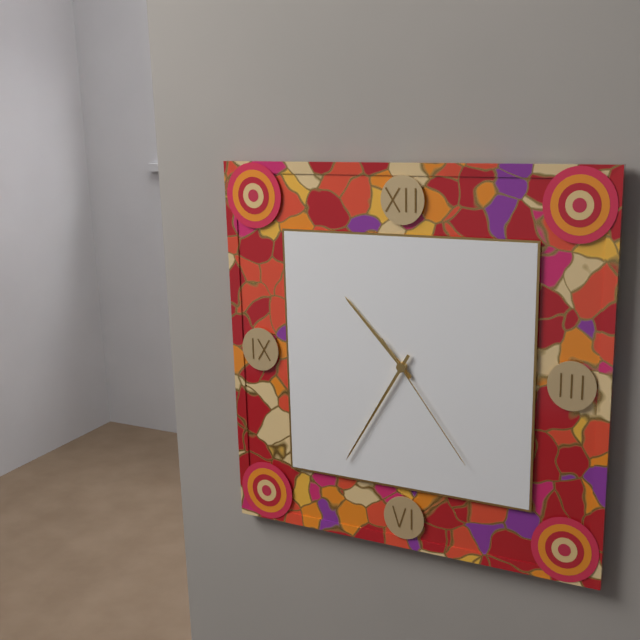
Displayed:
10.35.24
